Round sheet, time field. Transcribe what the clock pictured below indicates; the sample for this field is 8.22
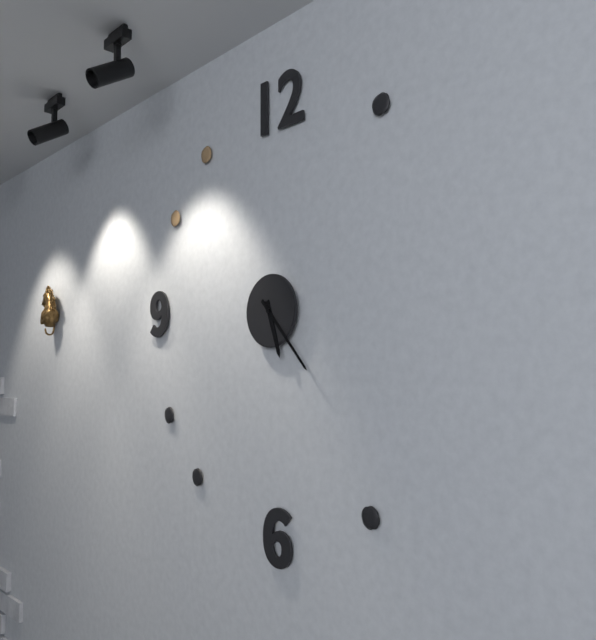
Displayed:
5.23
